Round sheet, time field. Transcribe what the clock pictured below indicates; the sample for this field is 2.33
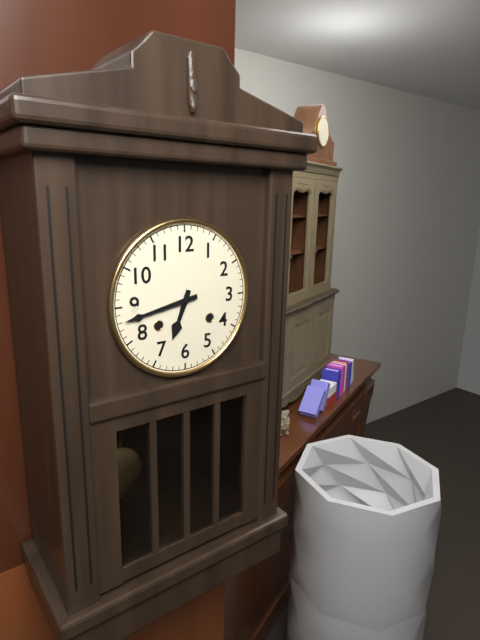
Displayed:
6.43
